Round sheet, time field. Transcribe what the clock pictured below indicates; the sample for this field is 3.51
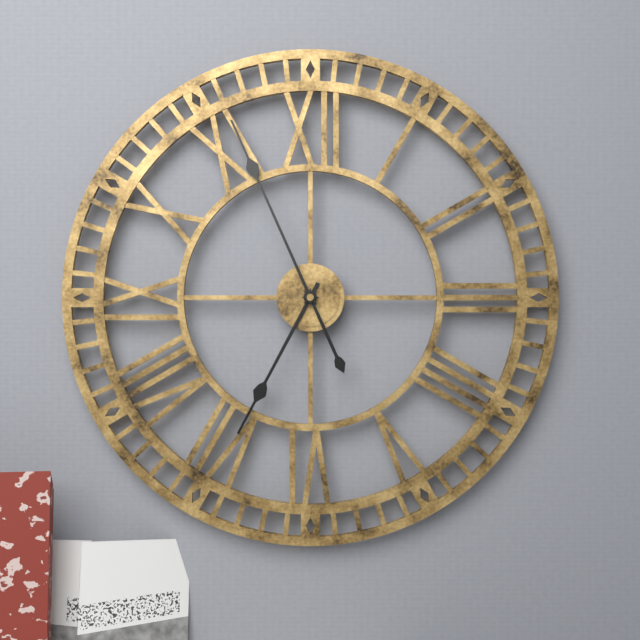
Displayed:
6.56
